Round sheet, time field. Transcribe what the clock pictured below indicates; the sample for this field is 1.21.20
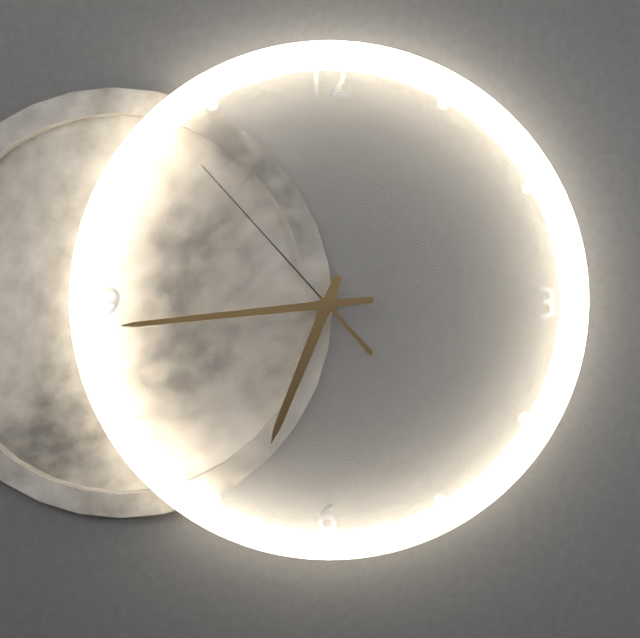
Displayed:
6.44.53
